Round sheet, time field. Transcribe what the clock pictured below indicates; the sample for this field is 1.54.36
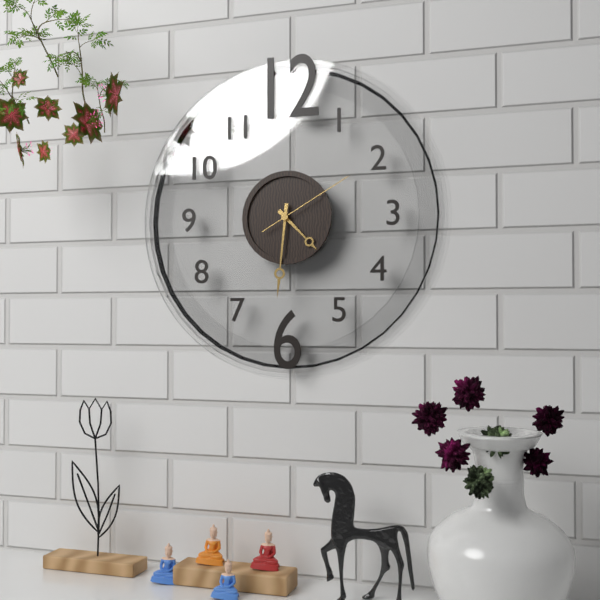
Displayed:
4.31.10
